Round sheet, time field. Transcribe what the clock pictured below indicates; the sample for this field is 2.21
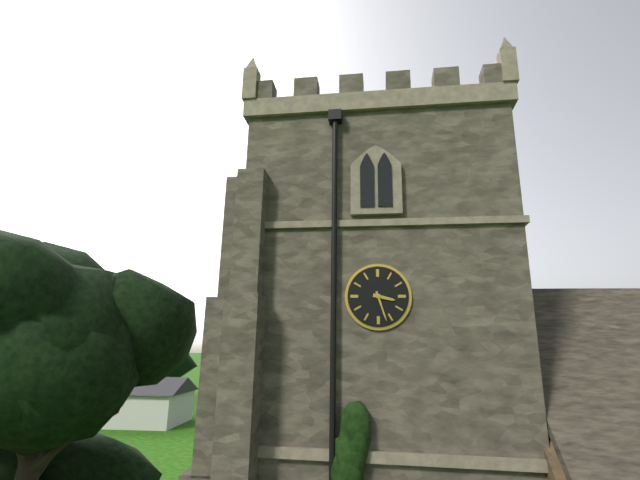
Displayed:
3.27
